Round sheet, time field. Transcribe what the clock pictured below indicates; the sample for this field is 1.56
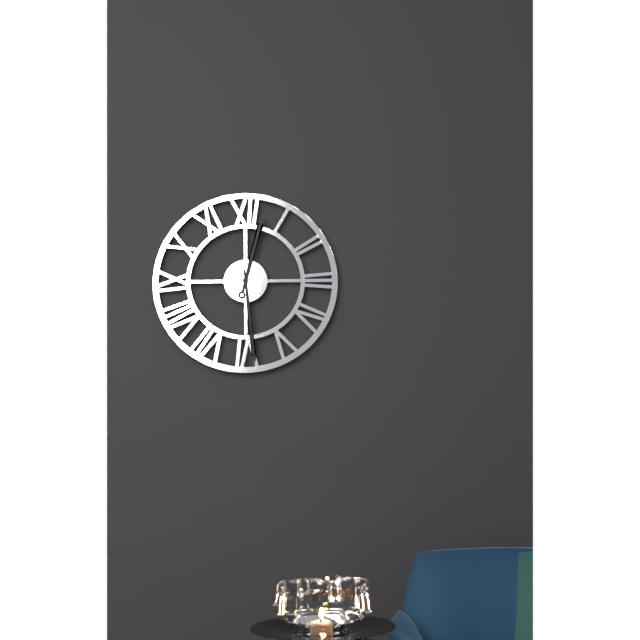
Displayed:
12.29
